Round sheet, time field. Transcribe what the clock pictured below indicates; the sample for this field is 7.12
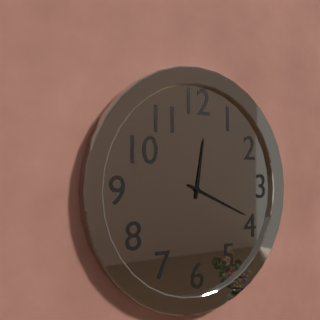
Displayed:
12.19
